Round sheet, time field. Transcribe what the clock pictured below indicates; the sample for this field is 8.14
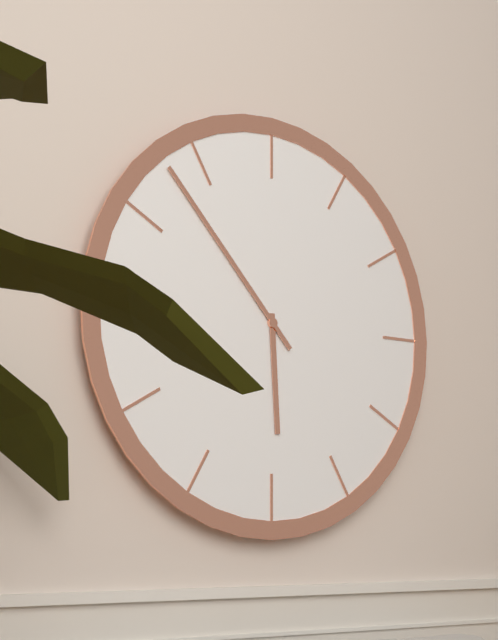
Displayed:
5.53
